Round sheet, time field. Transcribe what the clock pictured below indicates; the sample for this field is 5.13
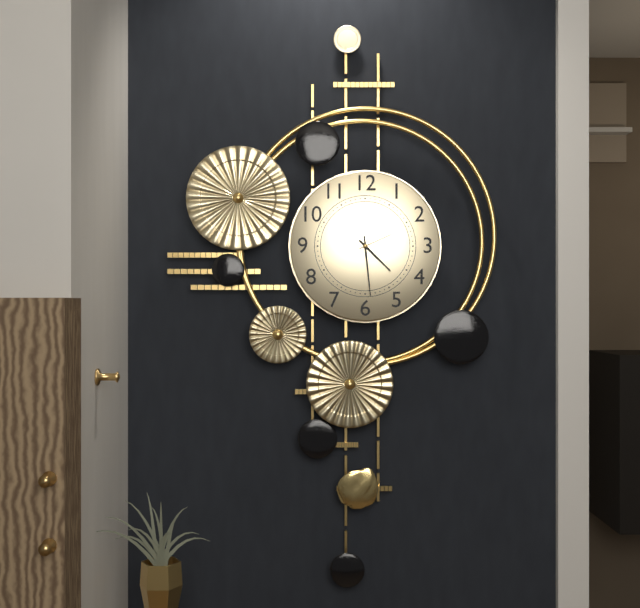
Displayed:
4.29
